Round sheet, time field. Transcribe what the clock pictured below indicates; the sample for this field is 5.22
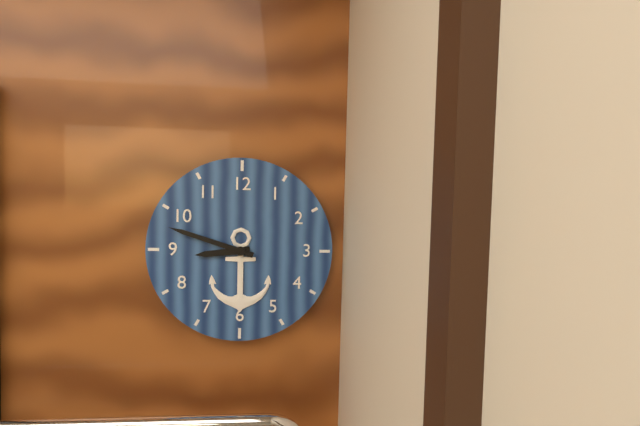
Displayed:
8.48
